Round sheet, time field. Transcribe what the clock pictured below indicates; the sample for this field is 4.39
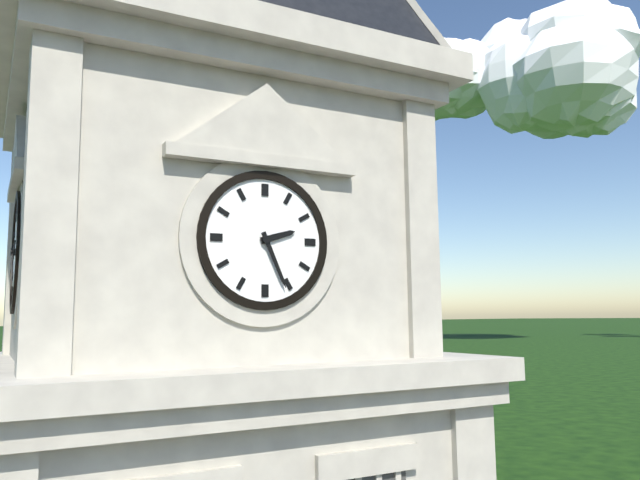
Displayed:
2.26
